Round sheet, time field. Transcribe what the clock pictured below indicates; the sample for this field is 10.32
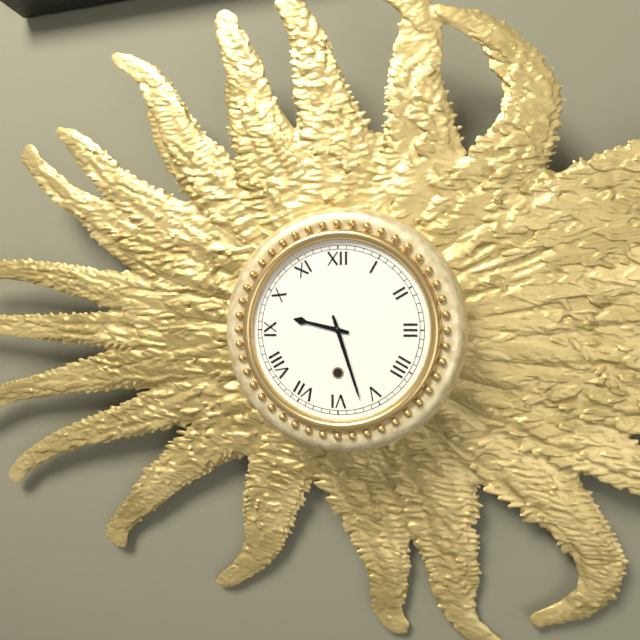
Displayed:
9.27
